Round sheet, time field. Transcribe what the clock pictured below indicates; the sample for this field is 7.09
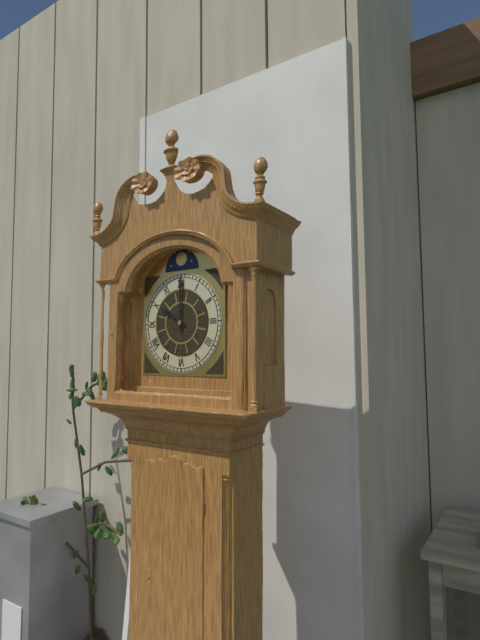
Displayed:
10.00
